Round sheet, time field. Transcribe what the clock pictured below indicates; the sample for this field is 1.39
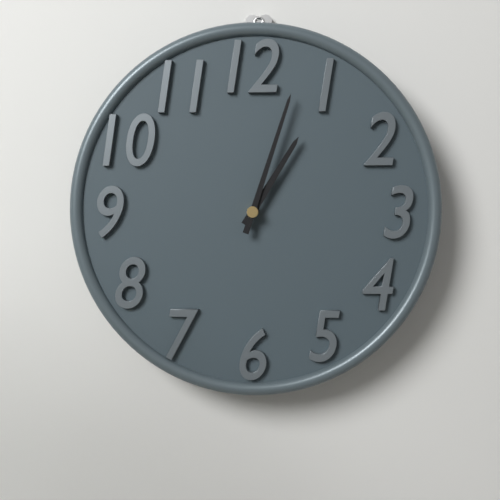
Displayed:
1.03
